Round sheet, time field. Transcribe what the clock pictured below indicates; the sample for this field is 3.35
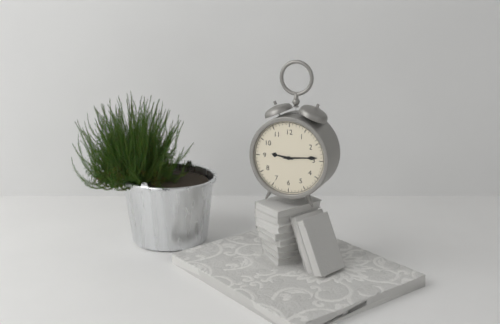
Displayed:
9.14
